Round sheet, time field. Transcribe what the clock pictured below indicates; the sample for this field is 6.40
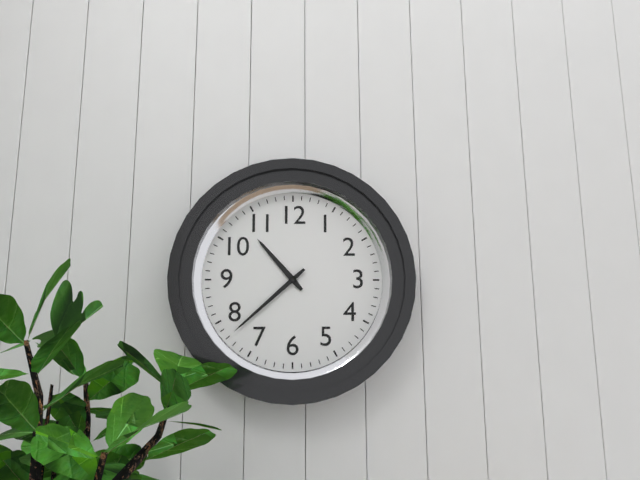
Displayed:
10.38
